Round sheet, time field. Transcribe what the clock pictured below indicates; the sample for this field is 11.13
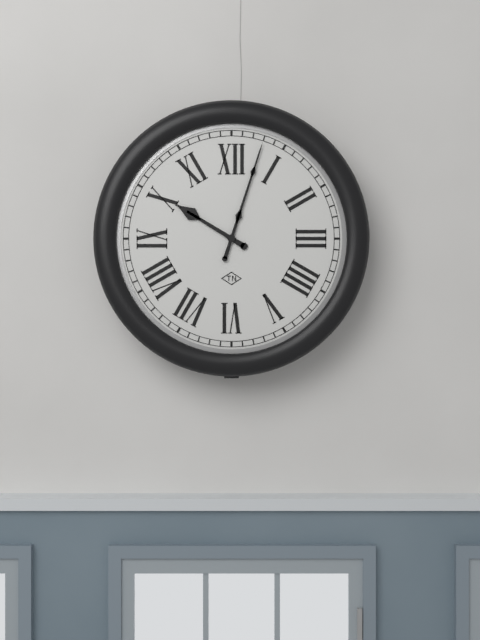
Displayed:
10.03
